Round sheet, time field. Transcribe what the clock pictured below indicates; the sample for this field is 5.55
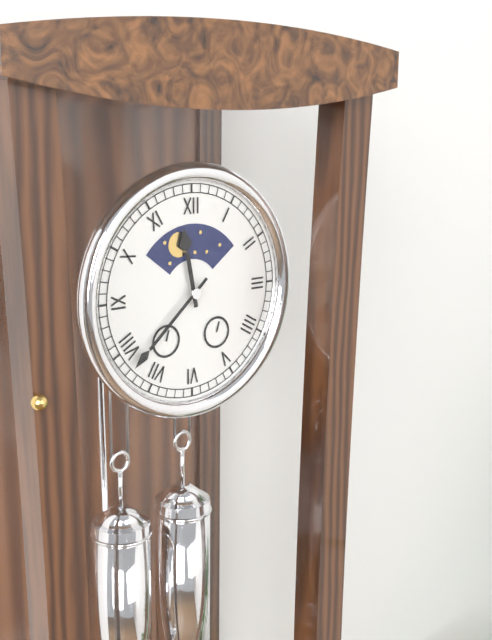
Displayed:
11.38
